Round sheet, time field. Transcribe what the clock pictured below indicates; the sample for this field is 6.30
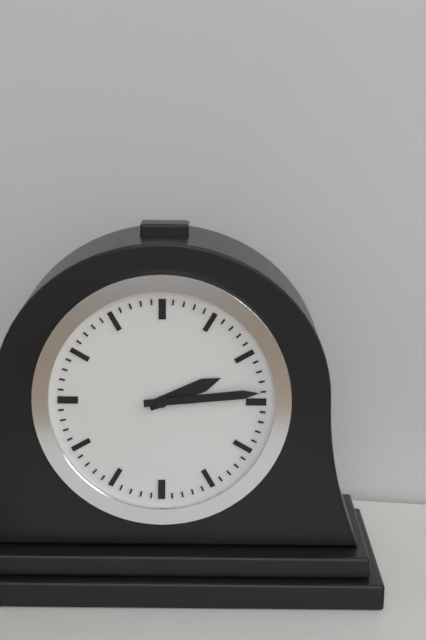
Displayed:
2.14
